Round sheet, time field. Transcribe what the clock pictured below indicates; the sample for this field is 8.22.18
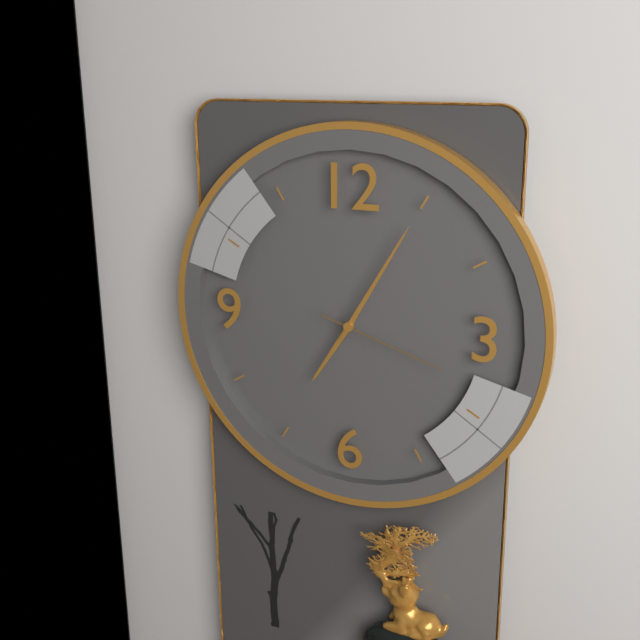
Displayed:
7.05.18
